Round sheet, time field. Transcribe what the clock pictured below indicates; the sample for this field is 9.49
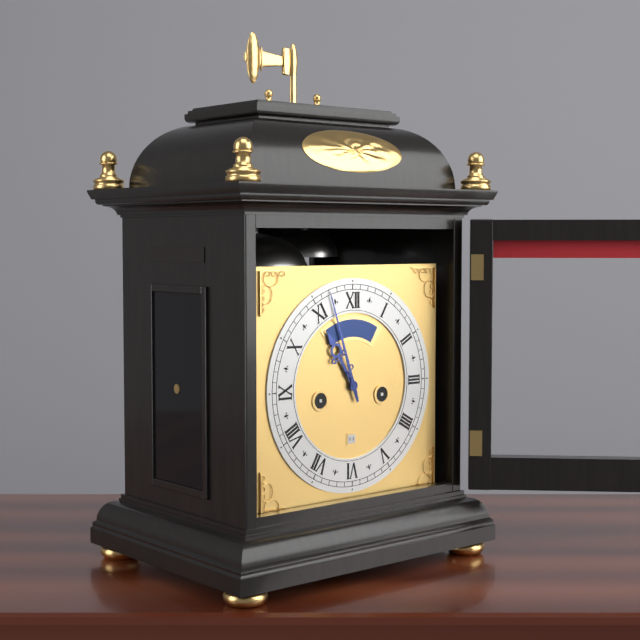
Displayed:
10.57
